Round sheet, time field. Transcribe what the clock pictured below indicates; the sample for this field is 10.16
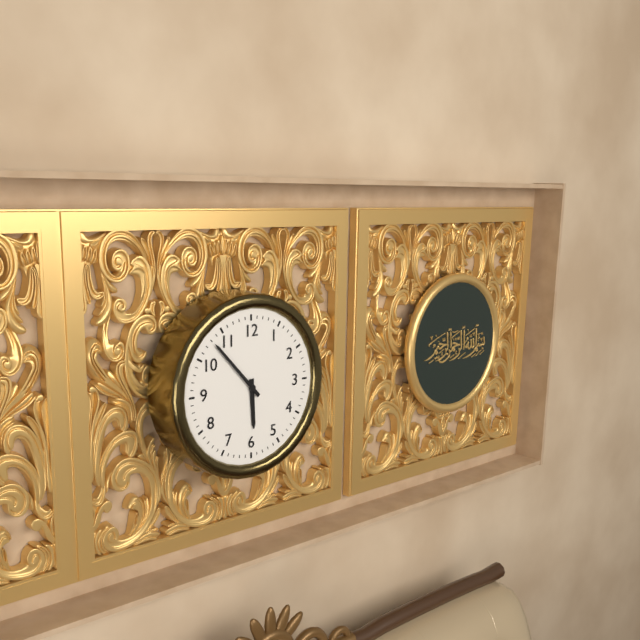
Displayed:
5.53
